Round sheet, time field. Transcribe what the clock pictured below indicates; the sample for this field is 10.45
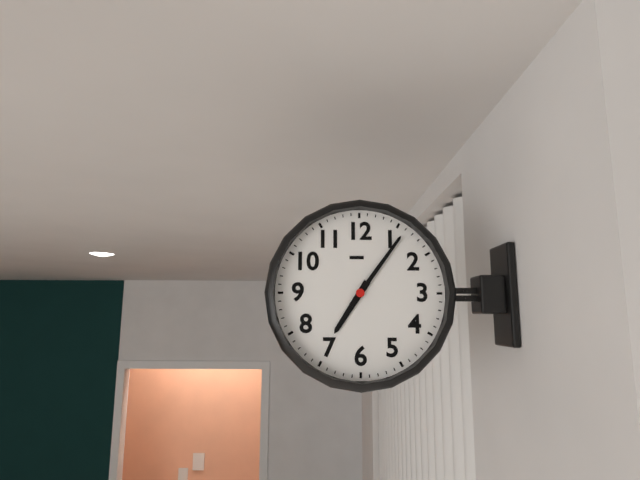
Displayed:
7.06
